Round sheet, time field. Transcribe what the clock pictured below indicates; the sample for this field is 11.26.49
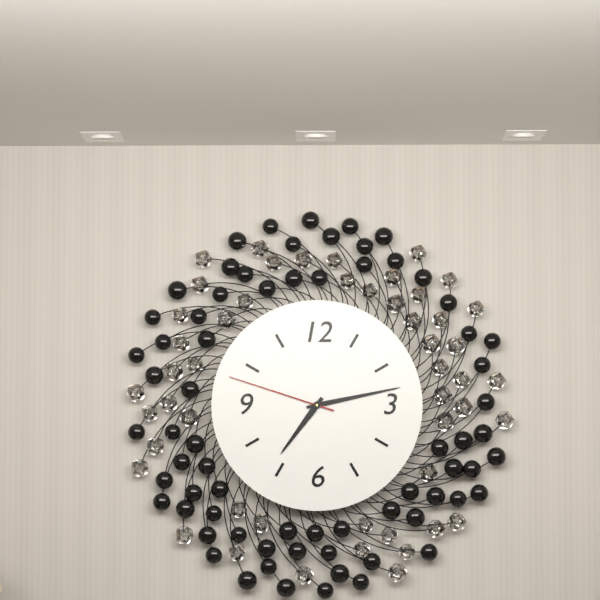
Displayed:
7.13.48
